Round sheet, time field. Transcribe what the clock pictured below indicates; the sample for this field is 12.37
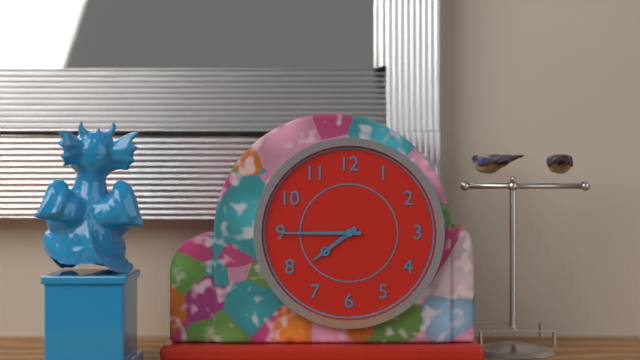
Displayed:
7.45
